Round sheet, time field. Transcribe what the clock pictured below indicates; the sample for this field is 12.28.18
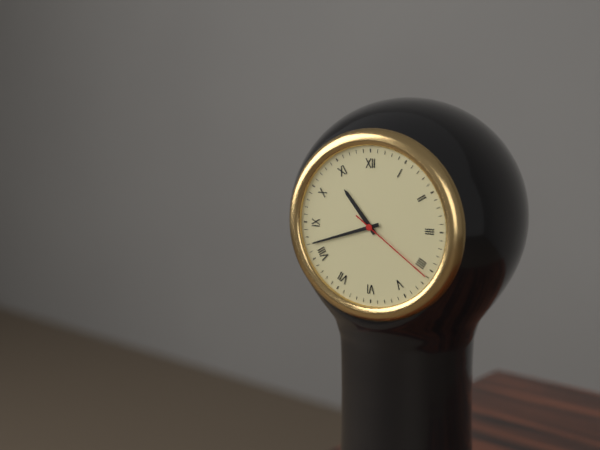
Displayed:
10.42.21
